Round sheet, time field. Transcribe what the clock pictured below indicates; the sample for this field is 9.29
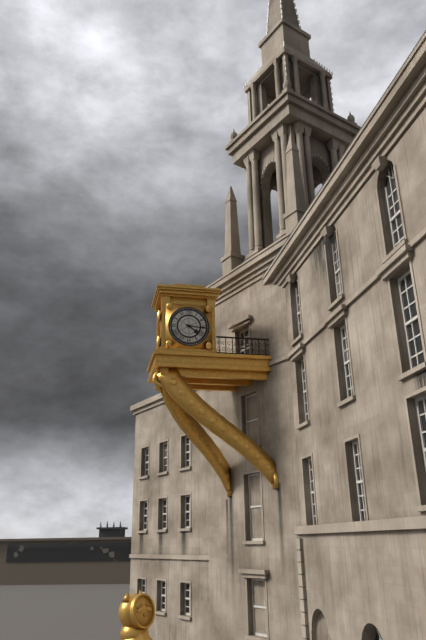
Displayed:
4.16
